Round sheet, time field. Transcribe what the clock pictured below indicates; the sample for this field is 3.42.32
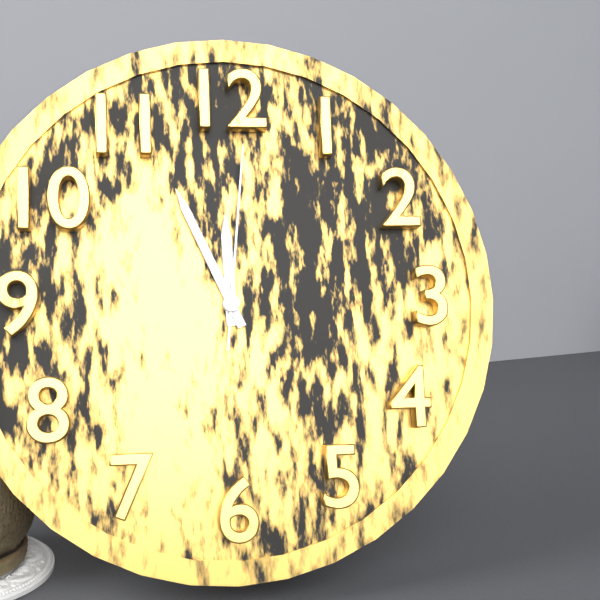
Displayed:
11.56.01
